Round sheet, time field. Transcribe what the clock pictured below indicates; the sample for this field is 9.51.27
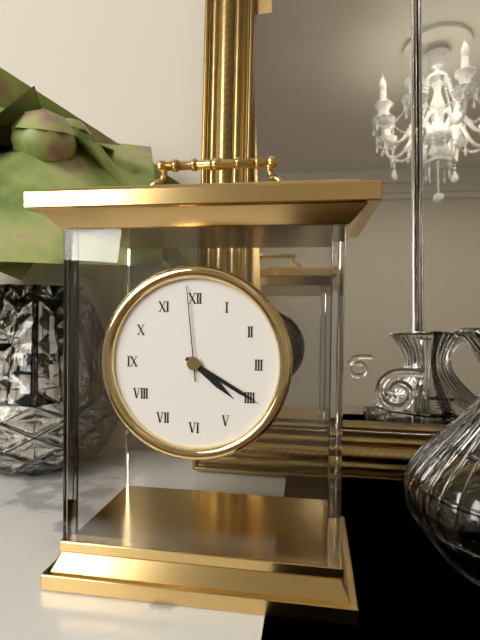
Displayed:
4.20.59
